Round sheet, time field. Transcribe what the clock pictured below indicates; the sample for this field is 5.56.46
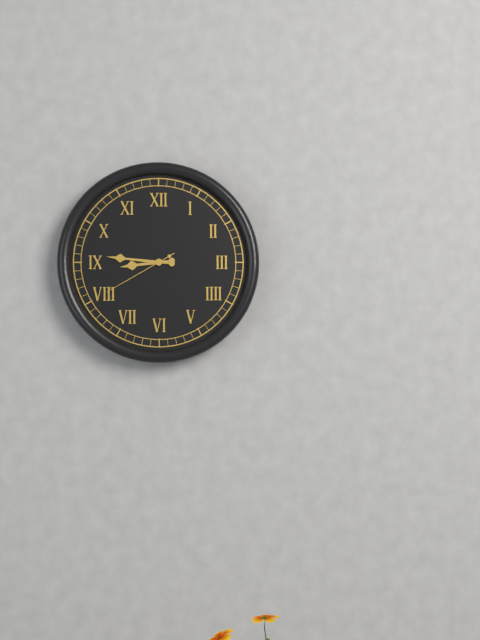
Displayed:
8.46.40
